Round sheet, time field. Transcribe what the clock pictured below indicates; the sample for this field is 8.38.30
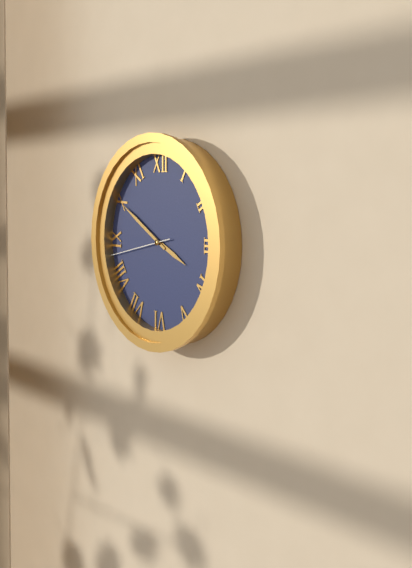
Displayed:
3.50.43
